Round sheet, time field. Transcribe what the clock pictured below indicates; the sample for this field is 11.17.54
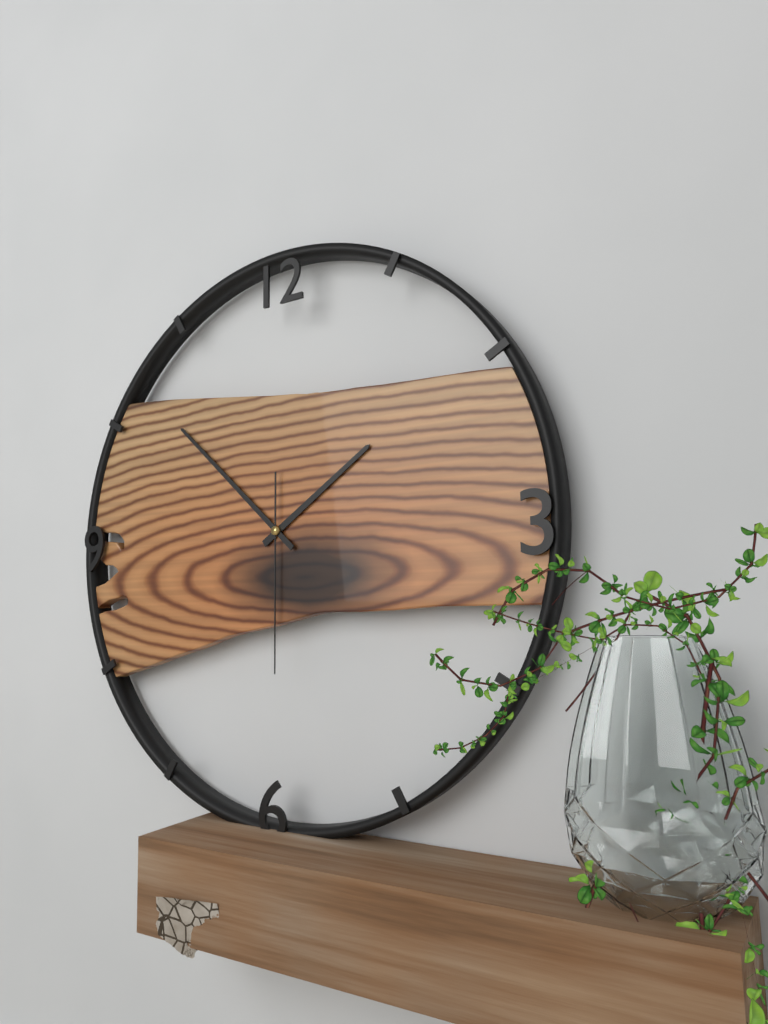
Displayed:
1.52.30
